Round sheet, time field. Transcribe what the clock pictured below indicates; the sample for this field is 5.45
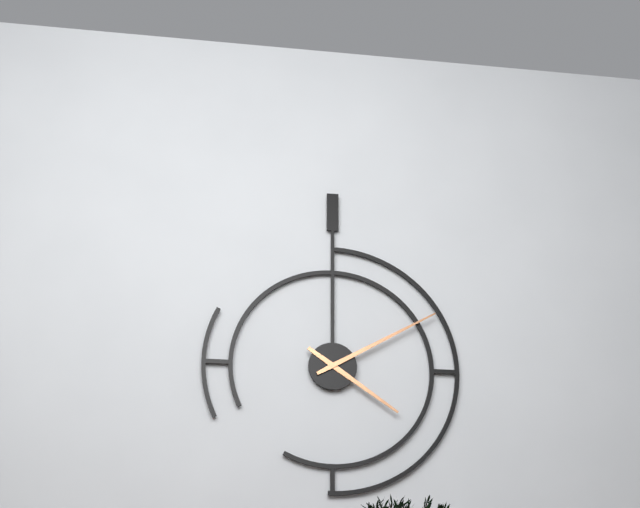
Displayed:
4.10
